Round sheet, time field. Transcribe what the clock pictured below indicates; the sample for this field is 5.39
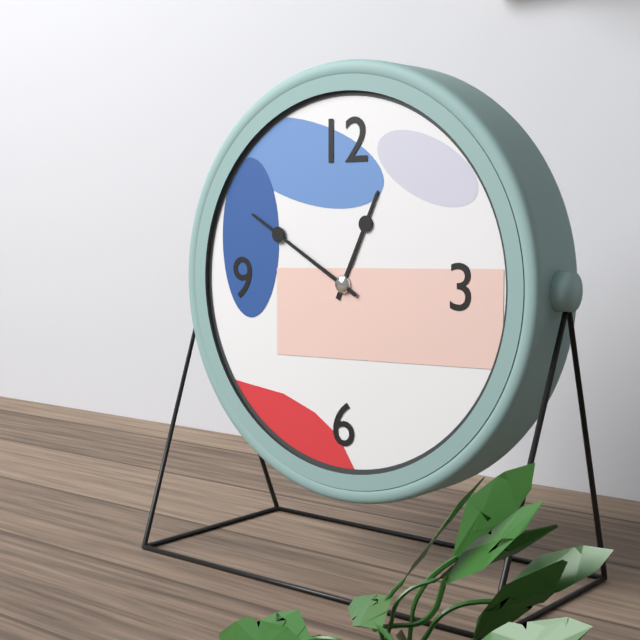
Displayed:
12.50
